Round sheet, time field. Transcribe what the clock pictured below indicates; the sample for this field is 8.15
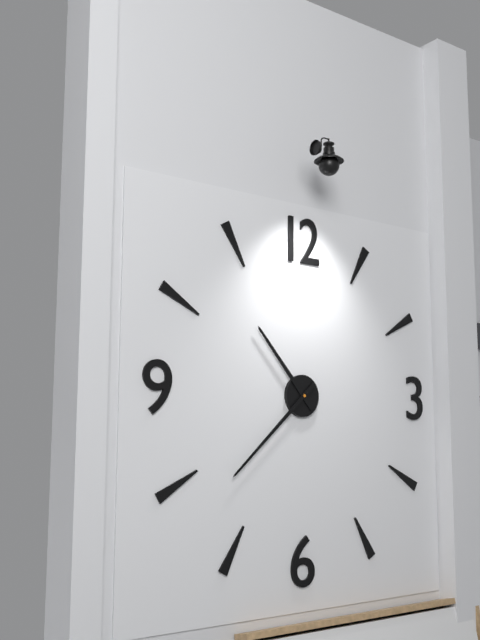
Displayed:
10.38
